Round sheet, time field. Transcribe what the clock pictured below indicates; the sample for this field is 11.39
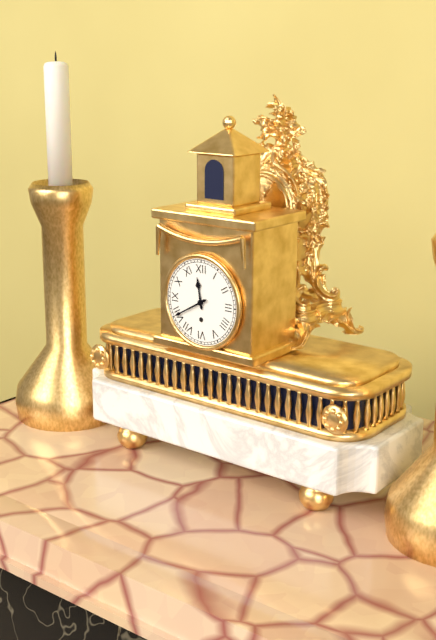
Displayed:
11.40
